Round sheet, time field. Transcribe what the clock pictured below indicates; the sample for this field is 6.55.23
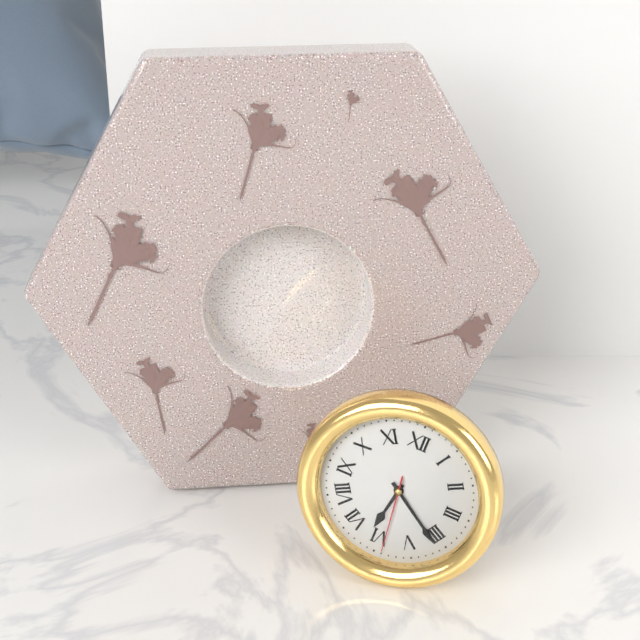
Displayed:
6.21.29
